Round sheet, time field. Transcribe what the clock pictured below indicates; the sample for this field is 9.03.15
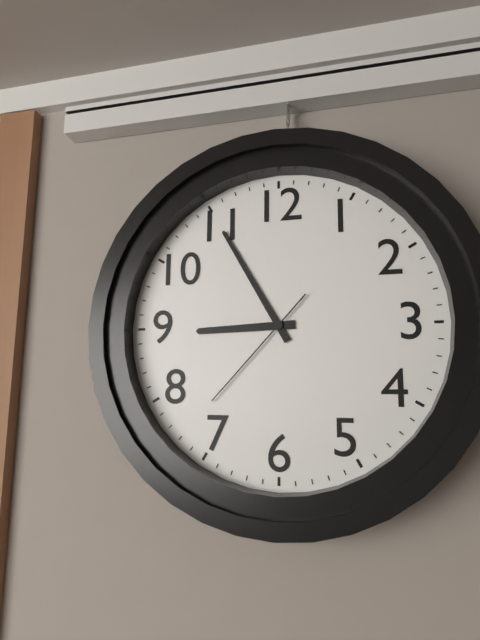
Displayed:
8.55.37
